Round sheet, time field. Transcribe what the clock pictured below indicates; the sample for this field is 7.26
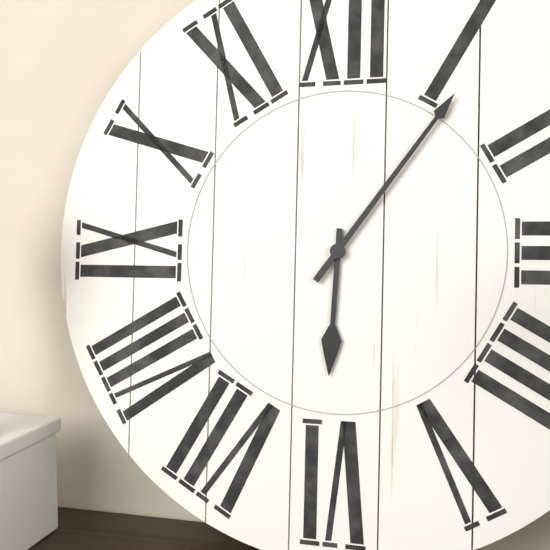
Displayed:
6.06
